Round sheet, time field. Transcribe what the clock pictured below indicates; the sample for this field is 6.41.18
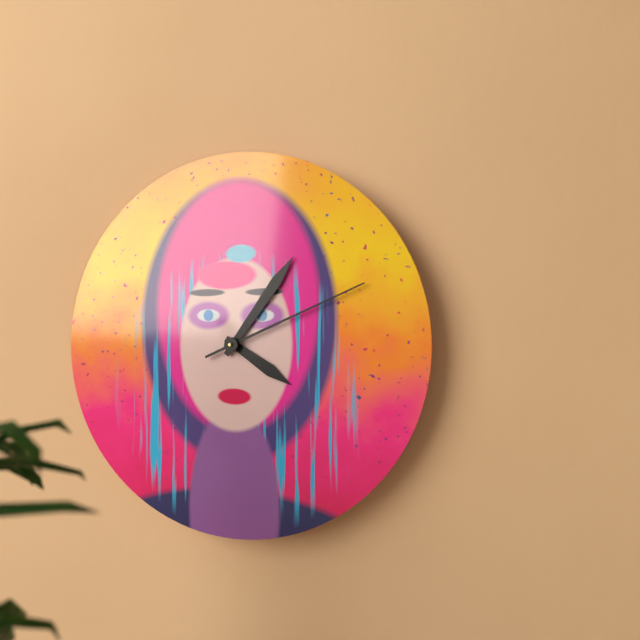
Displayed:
4.06.11
